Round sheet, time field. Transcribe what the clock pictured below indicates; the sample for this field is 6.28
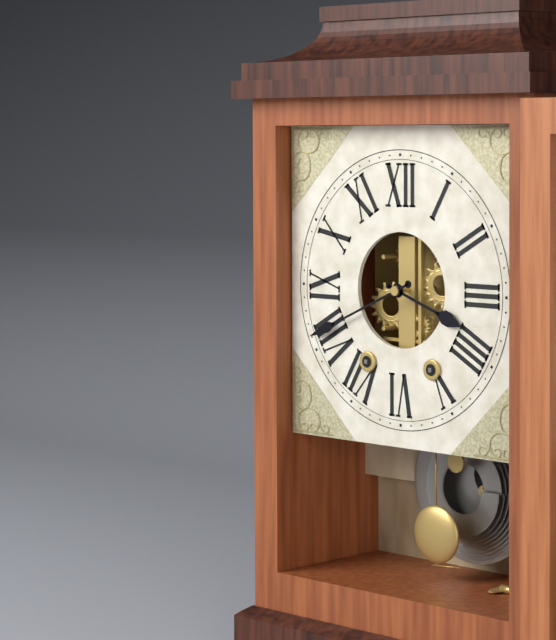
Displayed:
3.41
